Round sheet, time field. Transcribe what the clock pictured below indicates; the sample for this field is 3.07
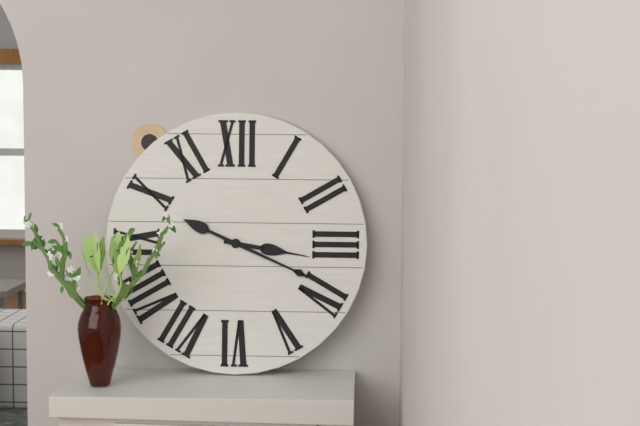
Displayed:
3.19
